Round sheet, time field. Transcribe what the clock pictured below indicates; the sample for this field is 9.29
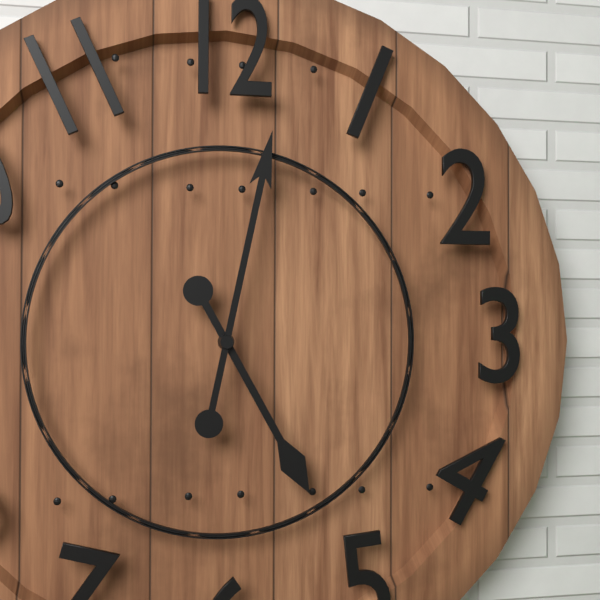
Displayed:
5.02
